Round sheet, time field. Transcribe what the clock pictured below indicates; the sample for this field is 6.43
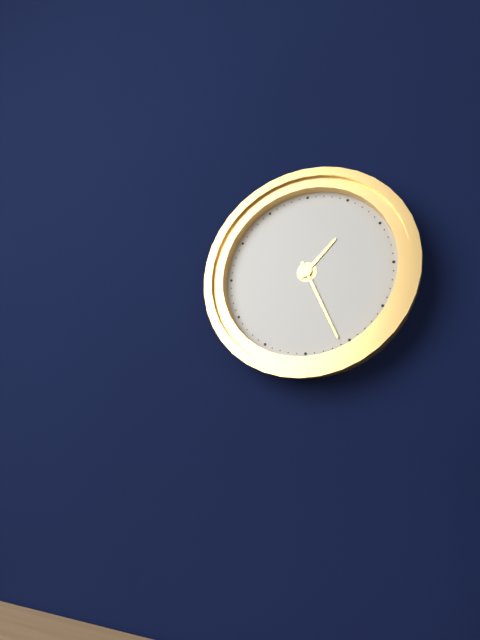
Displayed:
1.26
